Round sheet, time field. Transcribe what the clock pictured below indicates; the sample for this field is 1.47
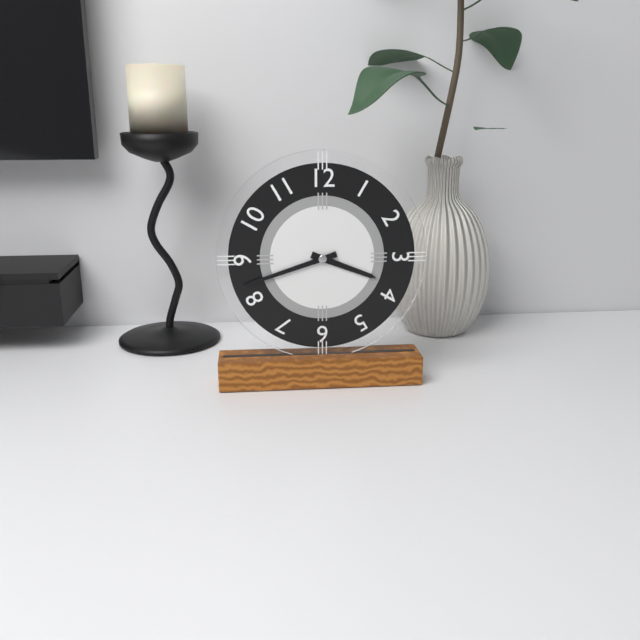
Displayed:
3.42
